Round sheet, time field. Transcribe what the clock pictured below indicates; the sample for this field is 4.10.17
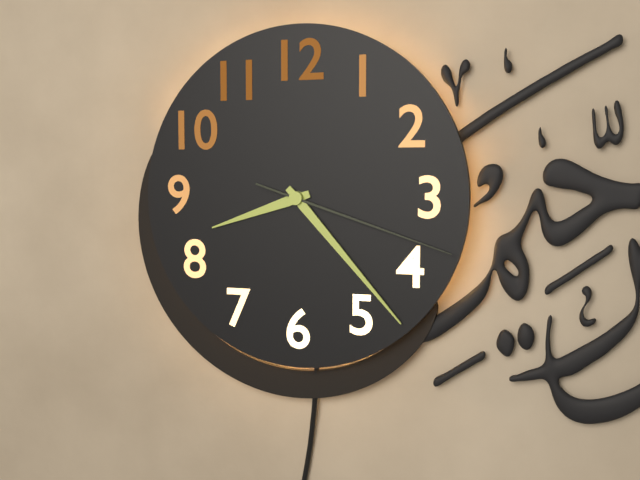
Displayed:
8.23.18
